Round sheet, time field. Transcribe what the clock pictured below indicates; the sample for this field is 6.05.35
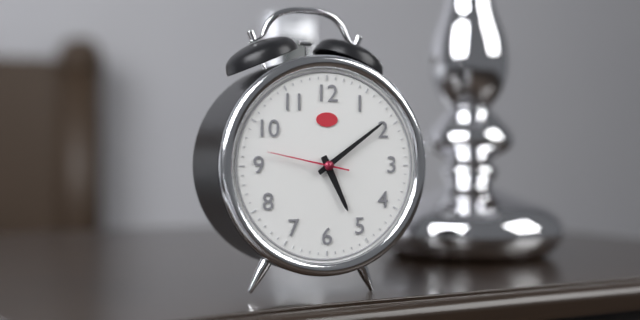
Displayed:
5.09.47
